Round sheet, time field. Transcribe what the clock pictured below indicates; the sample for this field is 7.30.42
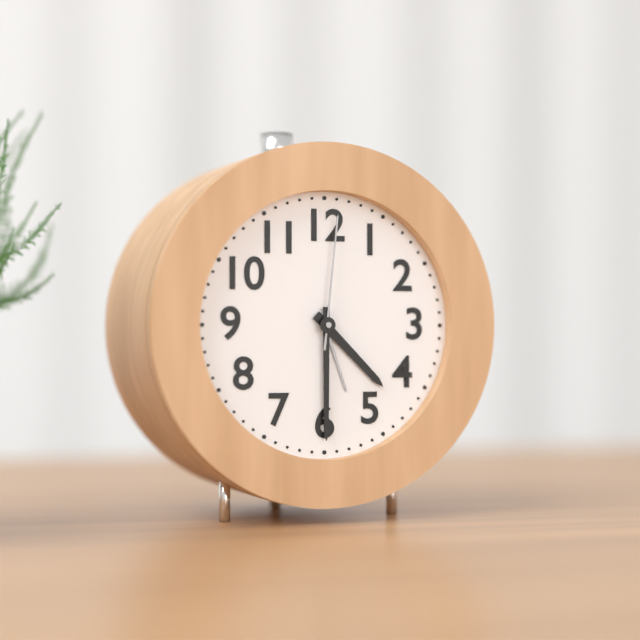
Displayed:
4.30.01
